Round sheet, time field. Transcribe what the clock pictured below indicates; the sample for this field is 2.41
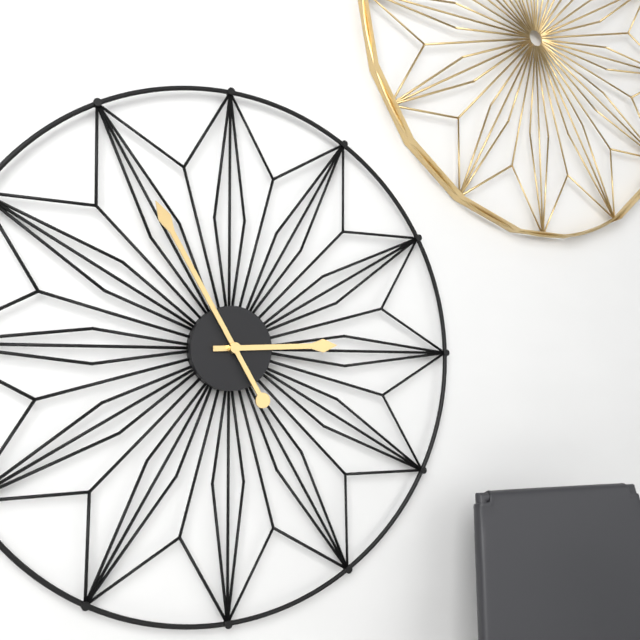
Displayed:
2.55
